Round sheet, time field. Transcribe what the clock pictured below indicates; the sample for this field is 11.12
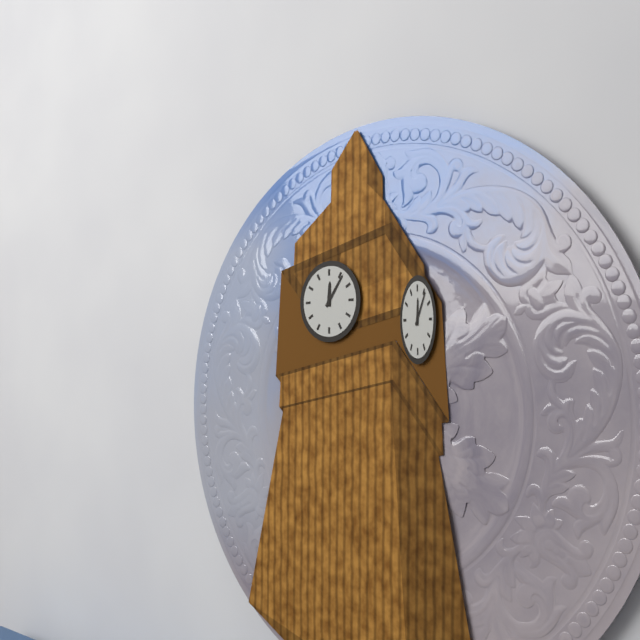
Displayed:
12.06
